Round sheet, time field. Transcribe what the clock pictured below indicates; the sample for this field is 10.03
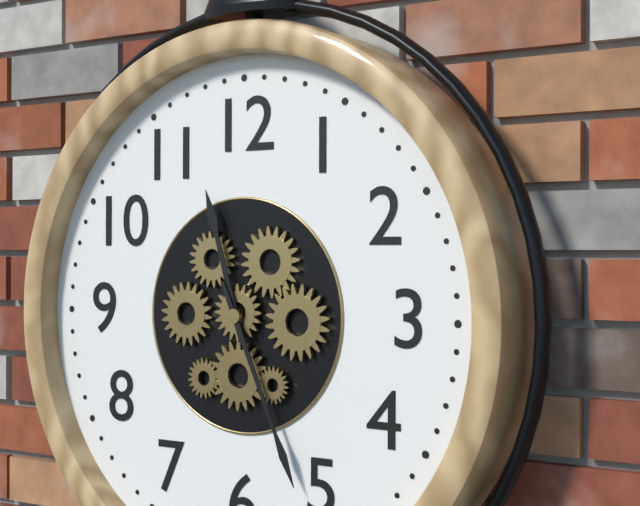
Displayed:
11.26
